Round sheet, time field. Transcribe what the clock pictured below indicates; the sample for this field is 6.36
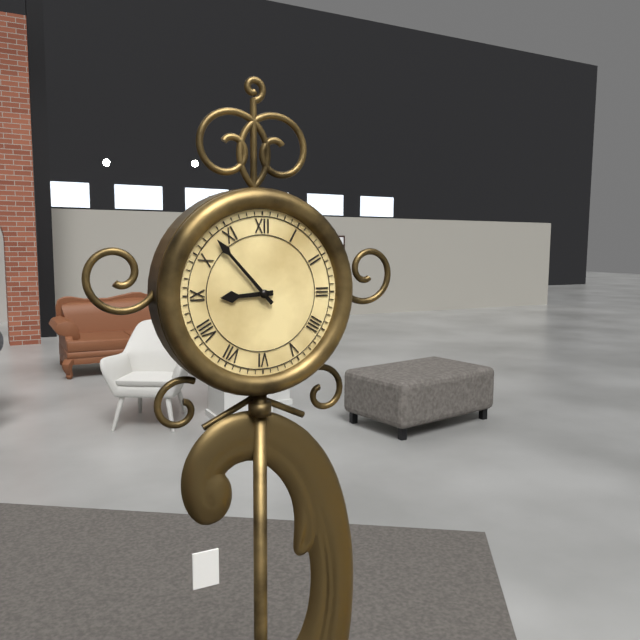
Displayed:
8.53
